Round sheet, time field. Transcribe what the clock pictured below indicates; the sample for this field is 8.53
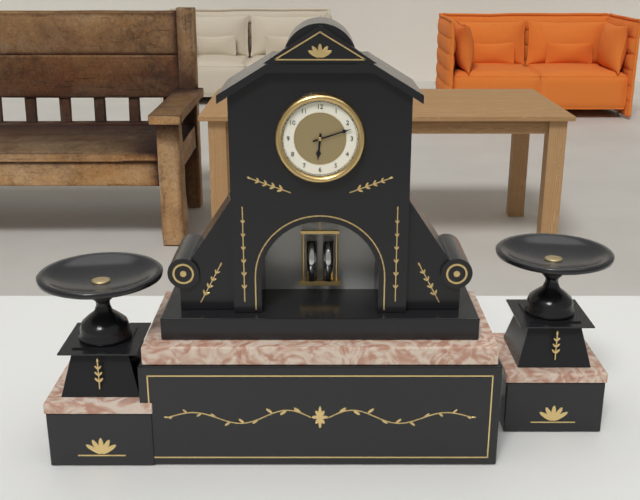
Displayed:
6.12
